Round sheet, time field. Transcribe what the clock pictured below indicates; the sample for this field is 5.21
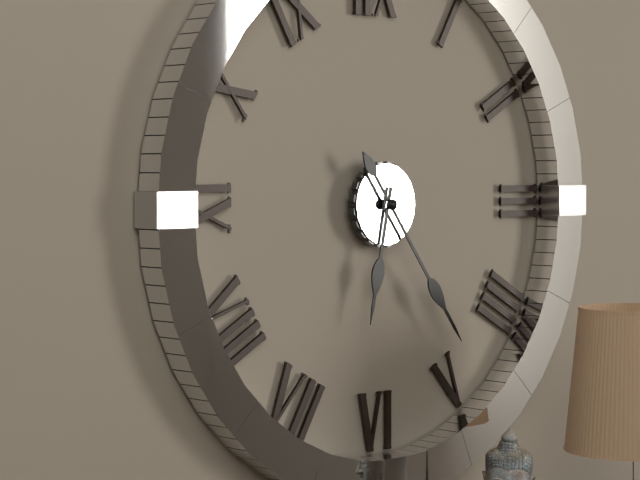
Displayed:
6.24
